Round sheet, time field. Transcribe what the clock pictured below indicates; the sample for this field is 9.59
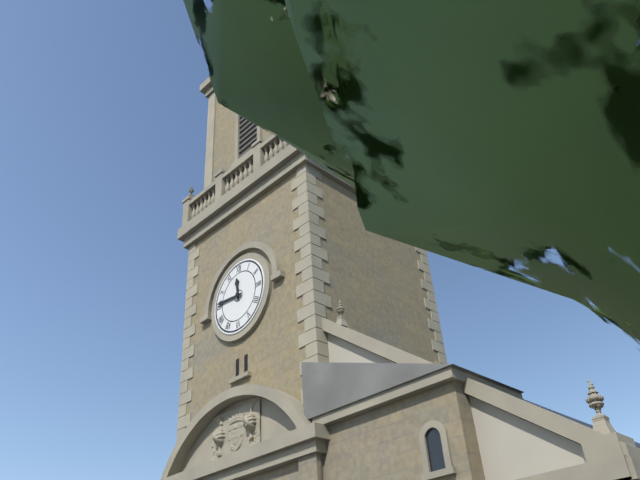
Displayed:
11.46
